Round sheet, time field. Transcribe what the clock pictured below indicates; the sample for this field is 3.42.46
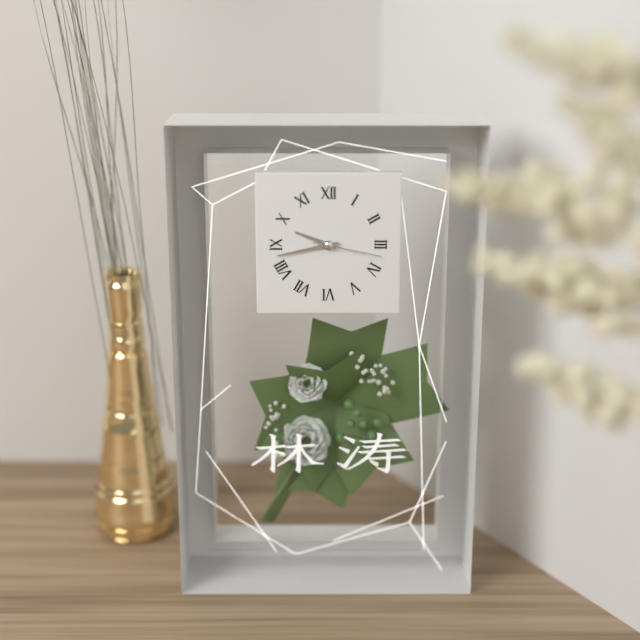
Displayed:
9.43.17
